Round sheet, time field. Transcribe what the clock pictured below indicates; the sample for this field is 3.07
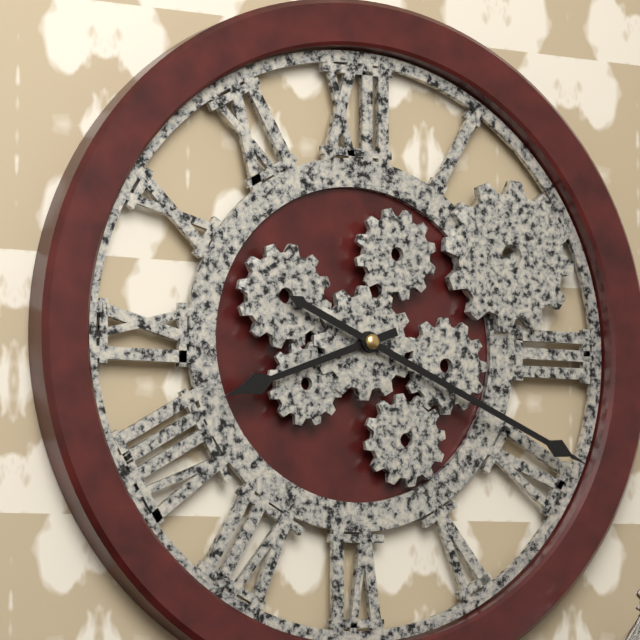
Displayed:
8.19
